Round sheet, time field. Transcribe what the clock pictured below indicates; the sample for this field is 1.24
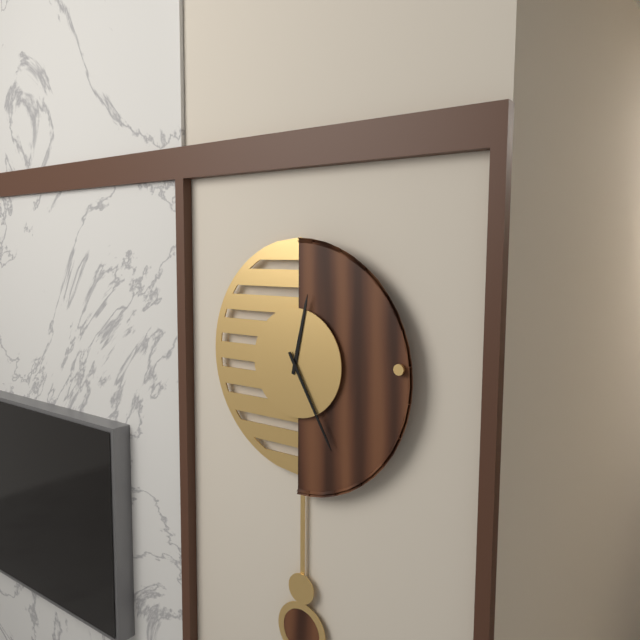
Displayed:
12.25
